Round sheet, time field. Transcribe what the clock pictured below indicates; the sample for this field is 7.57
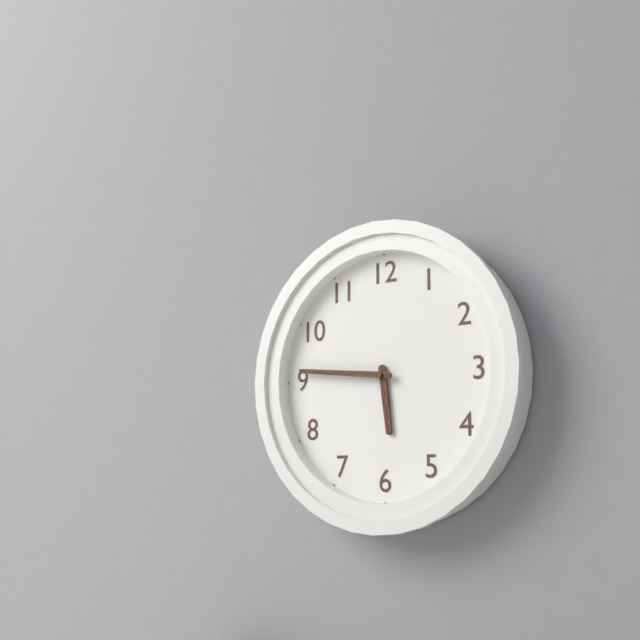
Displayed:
5.46
